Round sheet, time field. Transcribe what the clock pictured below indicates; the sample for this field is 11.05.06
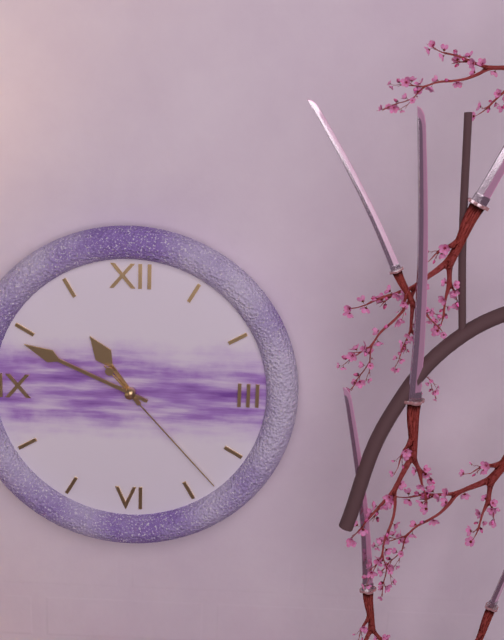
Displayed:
10.49.23
